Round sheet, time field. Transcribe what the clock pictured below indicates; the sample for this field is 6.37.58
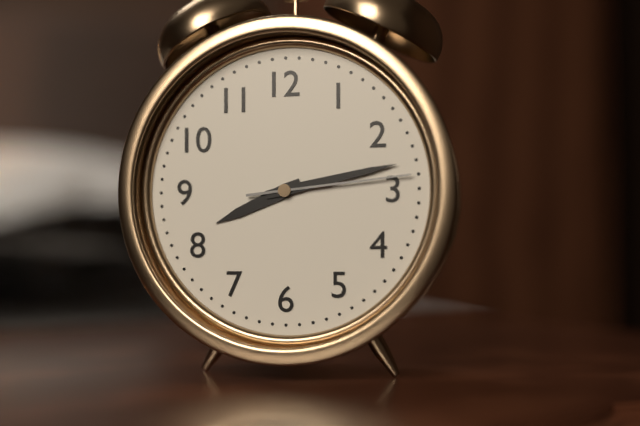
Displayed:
8.13.14
